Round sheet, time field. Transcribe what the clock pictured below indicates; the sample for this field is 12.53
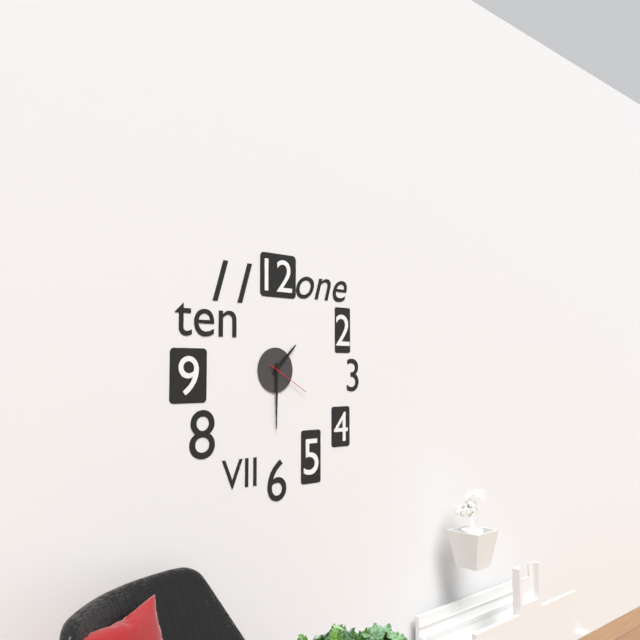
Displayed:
1.30
